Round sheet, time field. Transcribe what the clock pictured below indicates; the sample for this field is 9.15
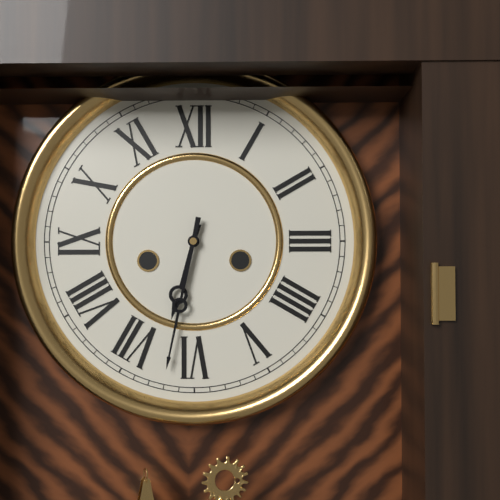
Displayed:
6.32
